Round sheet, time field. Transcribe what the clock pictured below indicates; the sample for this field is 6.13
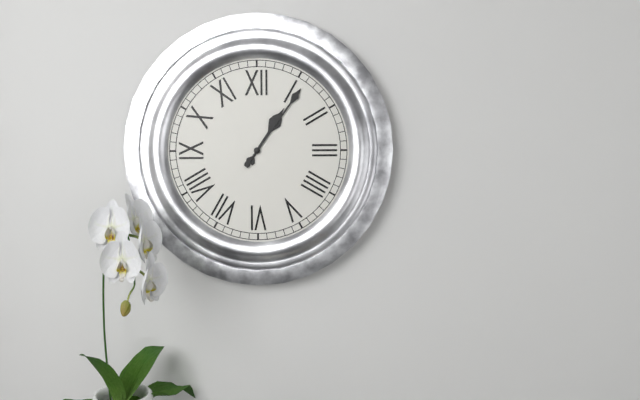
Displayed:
1.06
